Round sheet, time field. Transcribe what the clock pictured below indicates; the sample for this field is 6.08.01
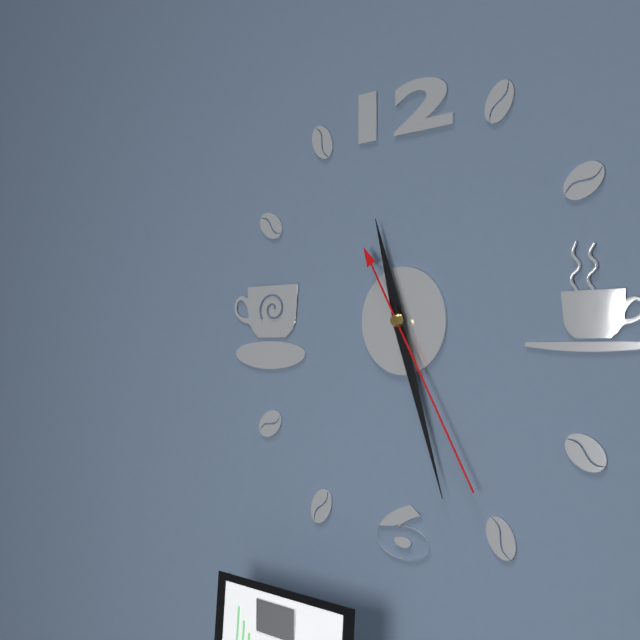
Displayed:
11.27.25
